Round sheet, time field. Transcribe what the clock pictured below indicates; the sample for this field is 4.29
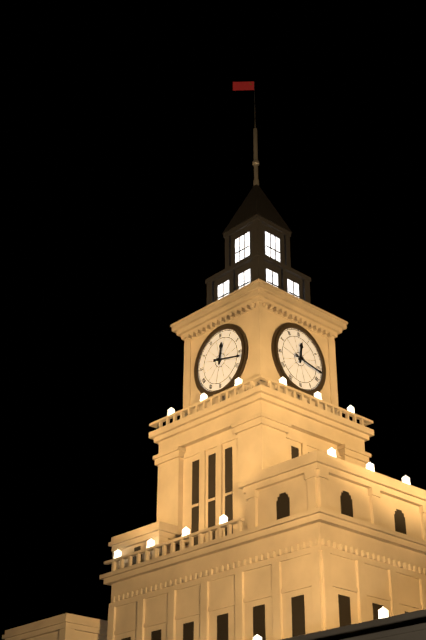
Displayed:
12.17
